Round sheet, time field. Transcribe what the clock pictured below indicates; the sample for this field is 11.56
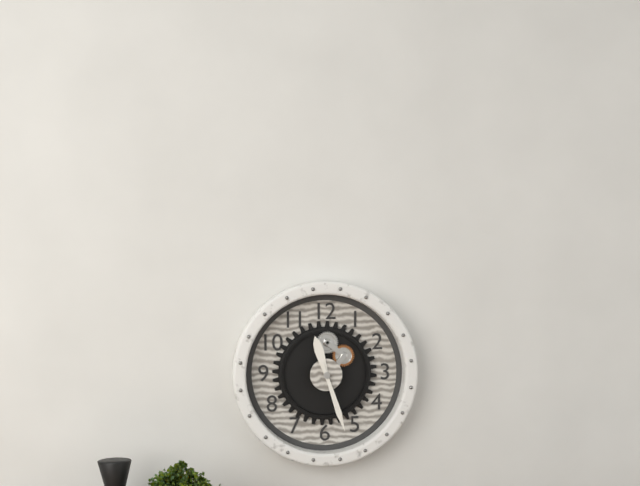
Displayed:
11.27
